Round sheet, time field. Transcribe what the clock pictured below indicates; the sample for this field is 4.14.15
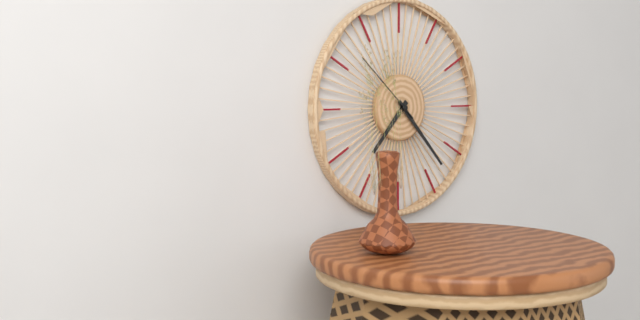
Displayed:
7.23.52
